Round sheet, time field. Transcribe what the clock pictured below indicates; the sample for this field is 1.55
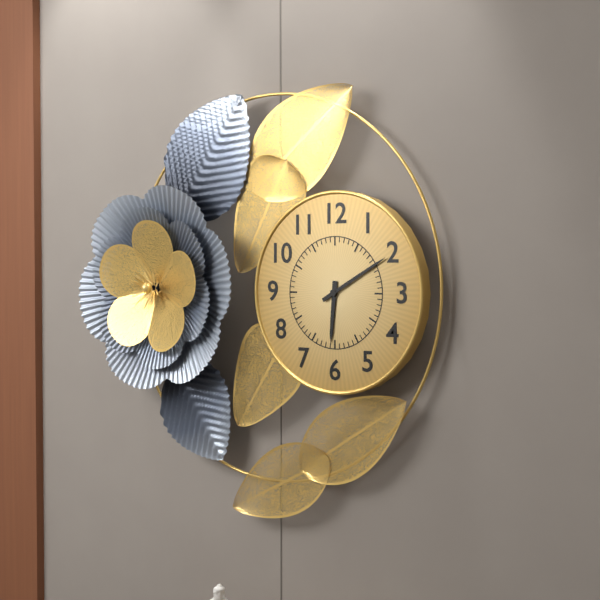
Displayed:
6.10
